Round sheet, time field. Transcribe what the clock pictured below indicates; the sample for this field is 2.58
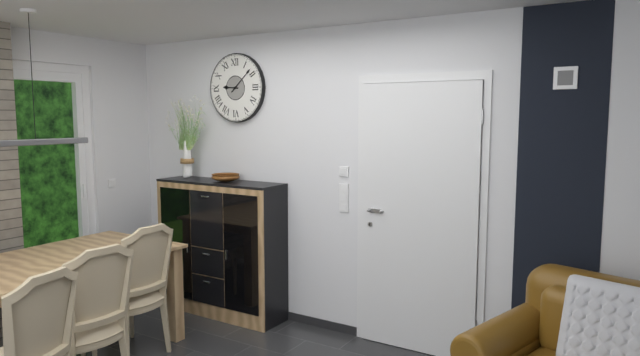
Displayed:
9.08
